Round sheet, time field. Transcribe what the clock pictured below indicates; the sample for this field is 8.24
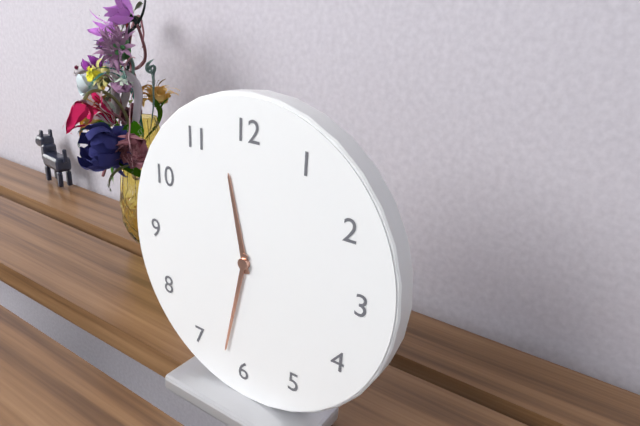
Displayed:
11.32
